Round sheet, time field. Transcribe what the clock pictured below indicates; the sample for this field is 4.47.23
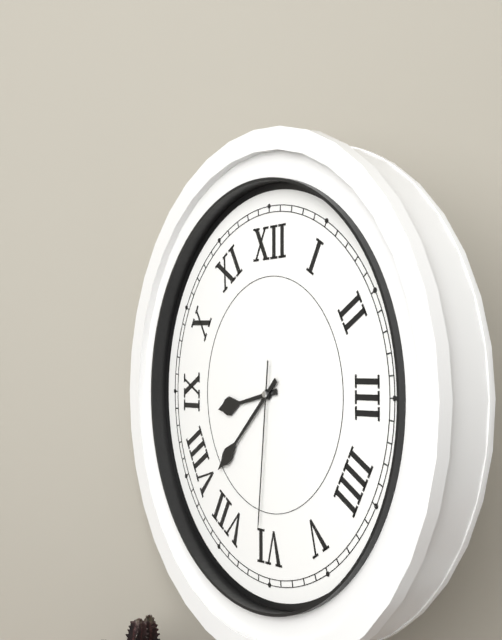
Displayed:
8.38.31
